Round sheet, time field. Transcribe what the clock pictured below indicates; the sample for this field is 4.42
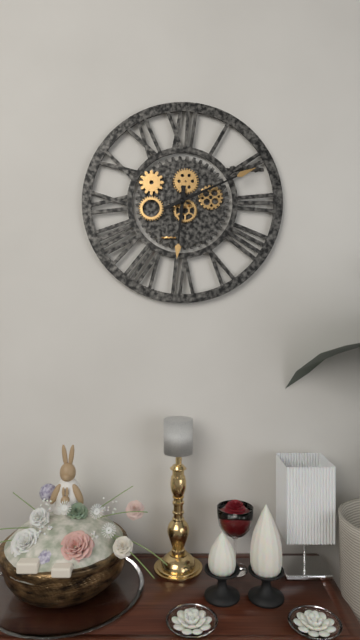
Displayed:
6.11
